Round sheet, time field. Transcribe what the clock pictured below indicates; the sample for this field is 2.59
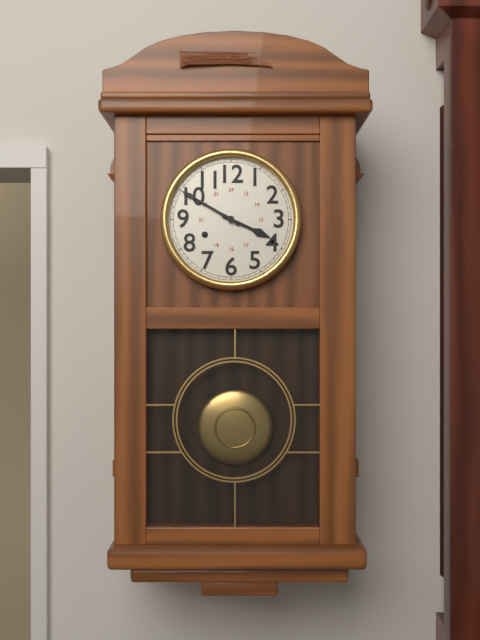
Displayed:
3.50
